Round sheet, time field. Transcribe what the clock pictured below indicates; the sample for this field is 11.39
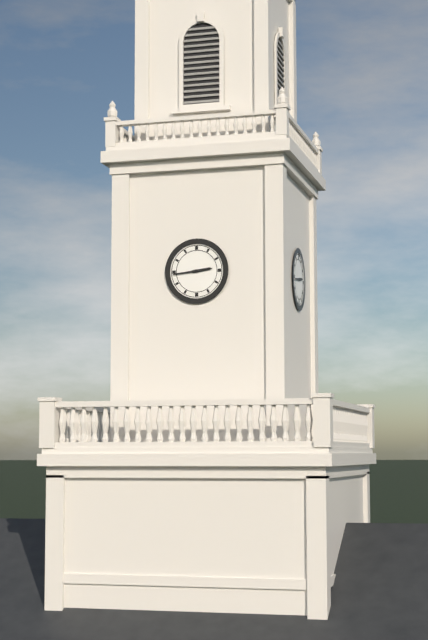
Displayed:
2.44
